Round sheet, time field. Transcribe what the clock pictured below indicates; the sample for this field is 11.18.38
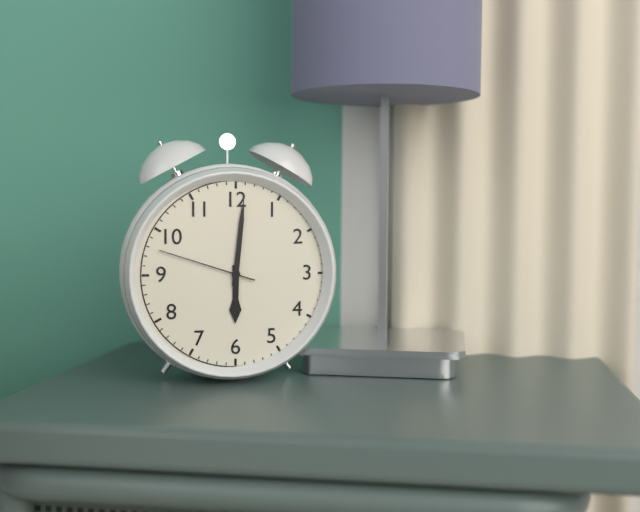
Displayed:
6.01.48
